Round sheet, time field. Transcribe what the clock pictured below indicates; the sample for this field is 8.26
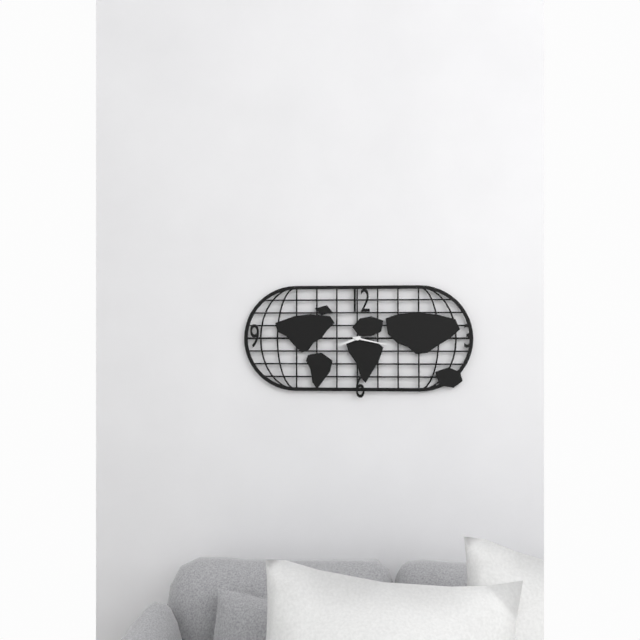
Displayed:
8.17
